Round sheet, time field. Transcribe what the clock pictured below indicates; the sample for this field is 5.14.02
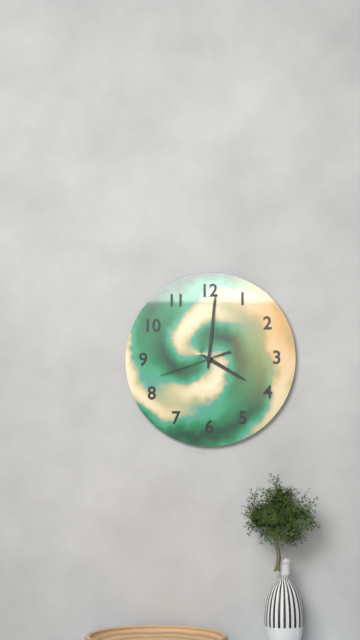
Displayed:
4.01.42
